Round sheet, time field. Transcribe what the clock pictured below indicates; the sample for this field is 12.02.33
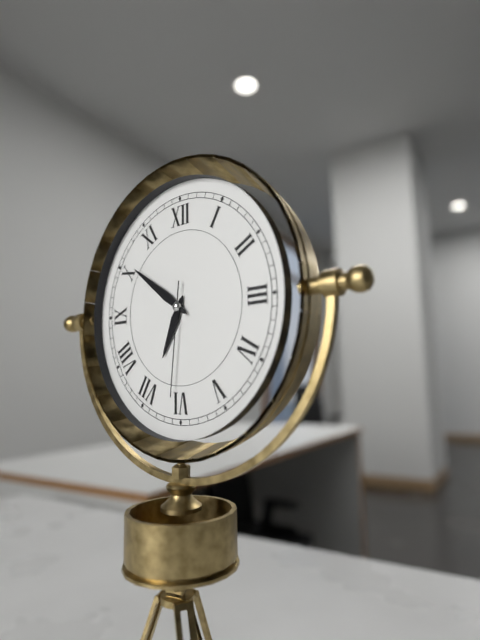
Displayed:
6.51.31
